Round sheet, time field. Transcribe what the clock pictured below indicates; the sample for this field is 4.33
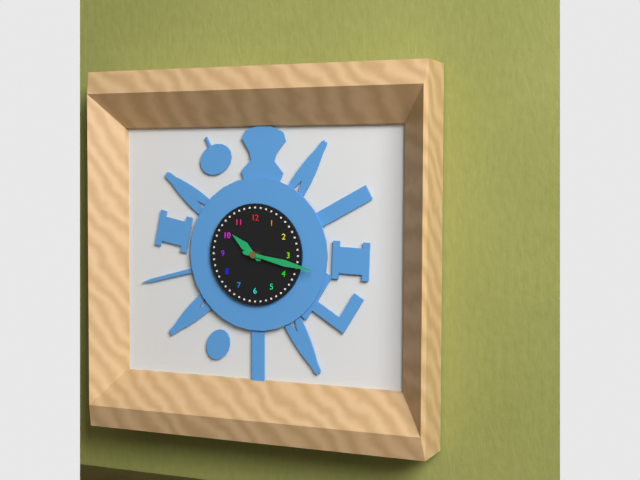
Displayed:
10.17
